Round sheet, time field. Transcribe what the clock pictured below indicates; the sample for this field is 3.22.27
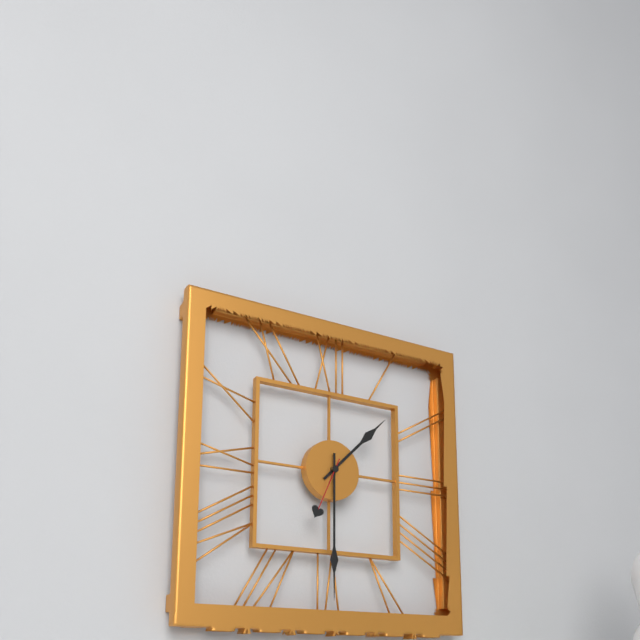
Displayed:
1.30.34
